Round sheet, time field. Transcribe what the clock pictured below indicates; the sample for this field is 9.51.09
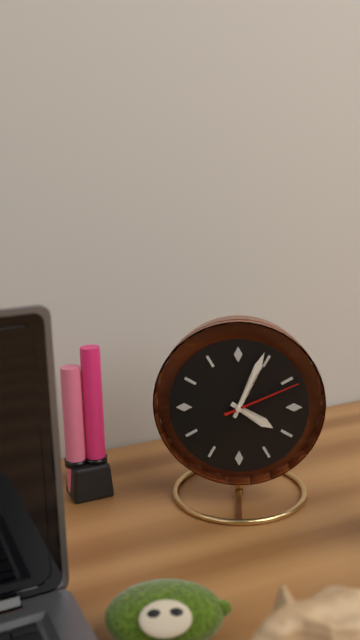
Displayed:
4.04.11
